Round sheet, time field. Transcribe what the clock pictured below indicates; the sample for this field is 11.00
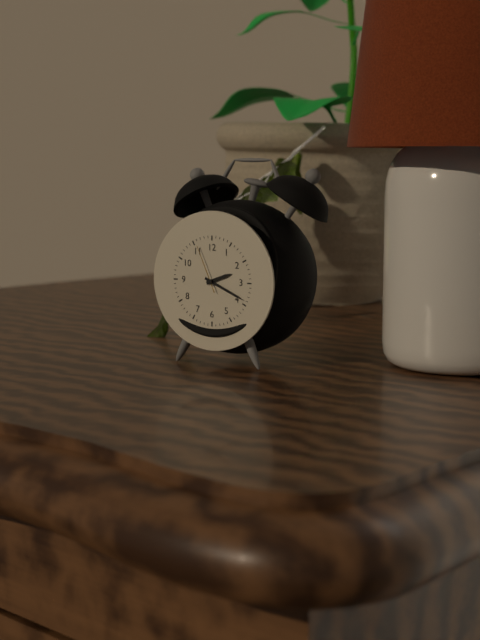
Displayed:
2.19
